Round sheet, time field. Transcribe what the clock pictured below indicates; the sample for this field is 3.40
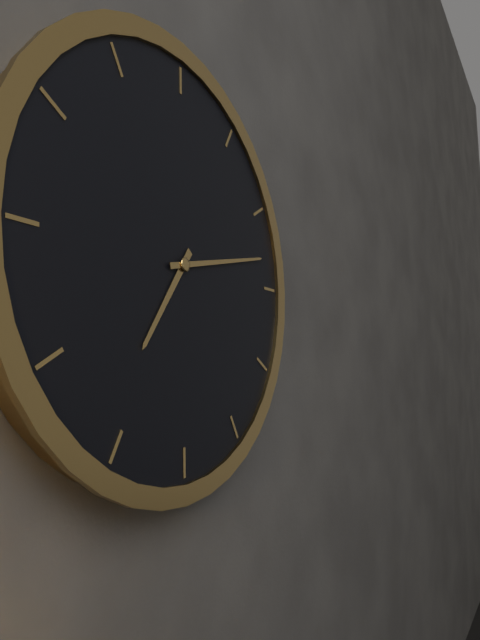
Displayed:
7.13
